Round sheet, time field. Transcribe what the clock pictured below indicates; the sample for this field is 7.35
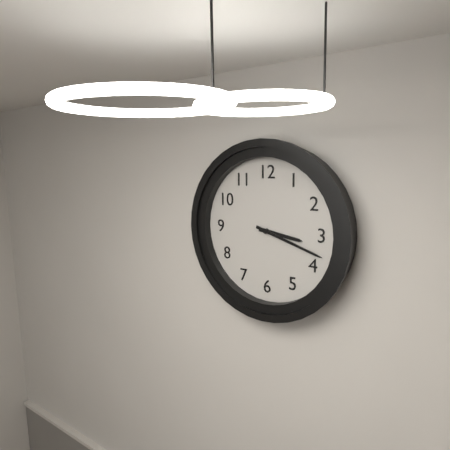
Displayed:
3.18
